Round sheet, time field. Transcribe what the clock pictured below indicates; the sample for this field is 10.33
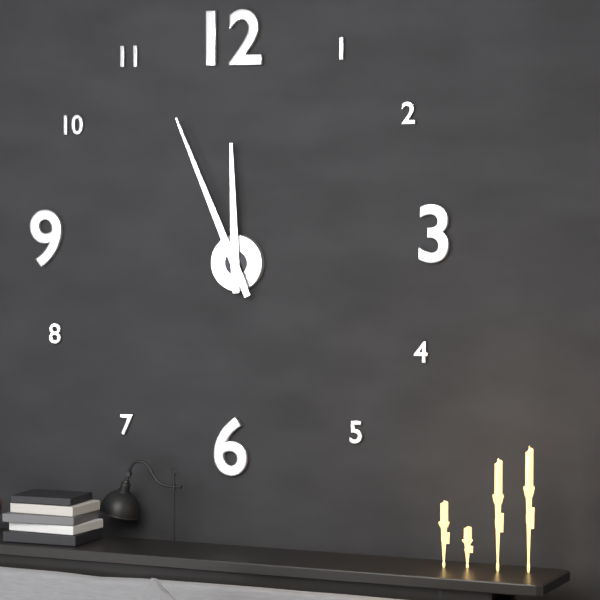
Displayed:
11.56
